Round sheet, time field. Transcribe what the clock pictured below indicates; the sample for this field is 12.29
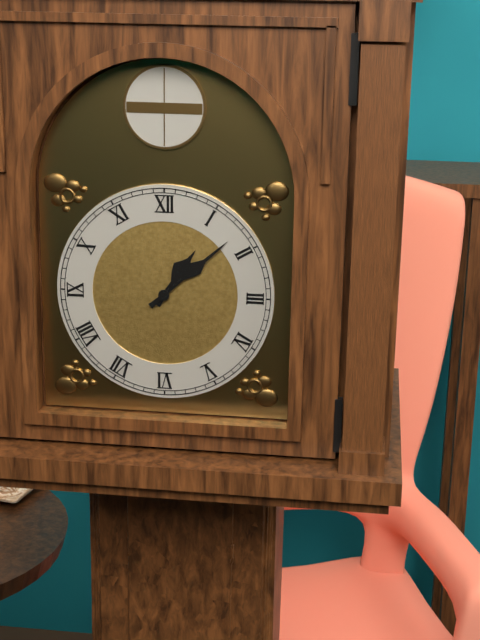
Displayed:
1.08
